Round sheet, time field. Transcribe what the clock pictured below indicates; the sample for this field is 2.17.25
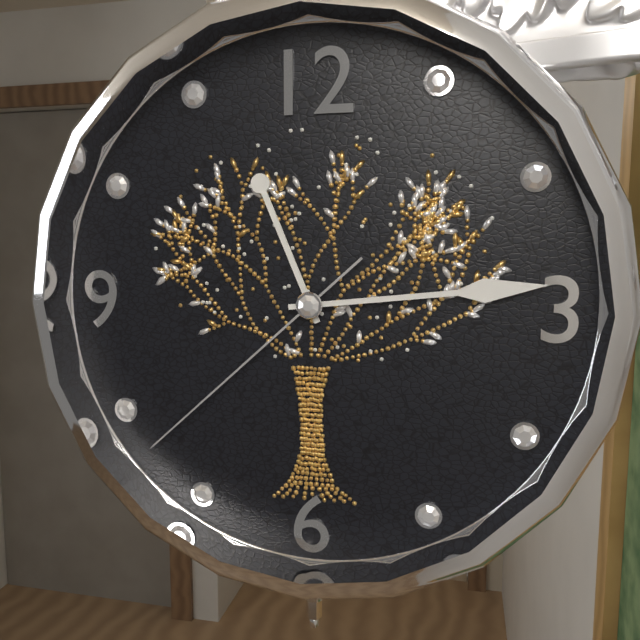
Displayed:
11.14.38
